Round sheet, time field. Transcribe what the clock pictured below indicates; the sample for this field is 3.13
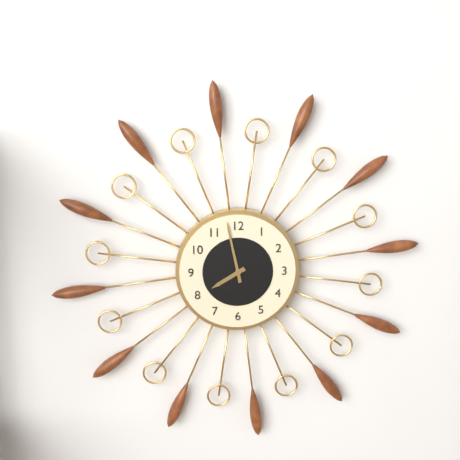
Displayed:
7.58
